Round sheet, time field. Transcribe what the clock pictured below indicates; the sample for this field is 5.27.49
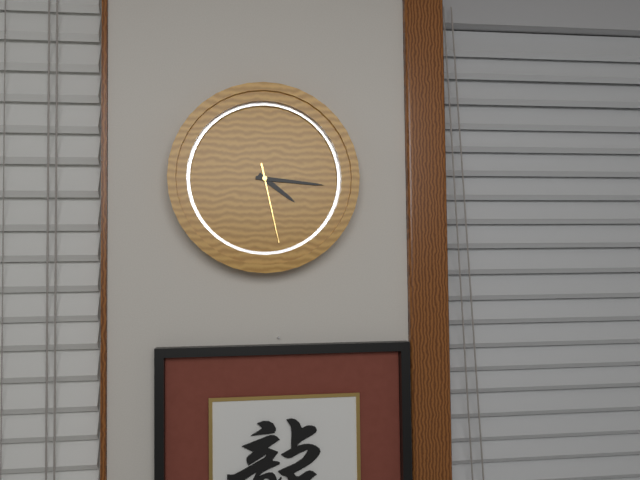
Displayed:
4.16.28
